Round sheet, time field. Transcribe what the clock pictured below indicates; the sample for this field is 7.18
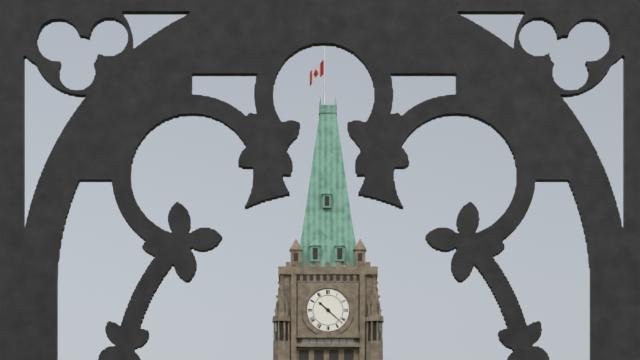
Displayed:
10.22
